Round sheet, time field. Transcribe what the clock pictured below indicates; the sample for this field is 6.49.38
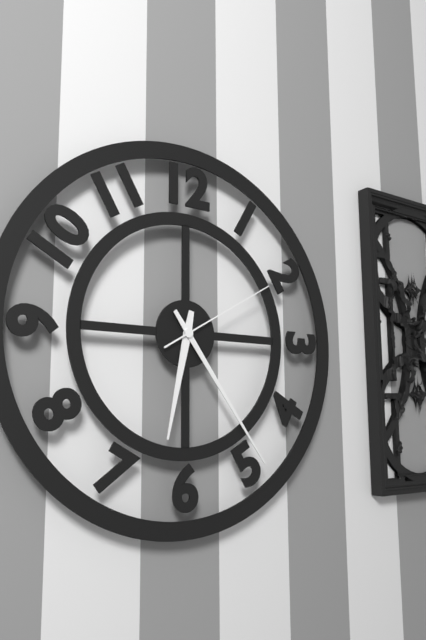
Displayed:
6.24.10
